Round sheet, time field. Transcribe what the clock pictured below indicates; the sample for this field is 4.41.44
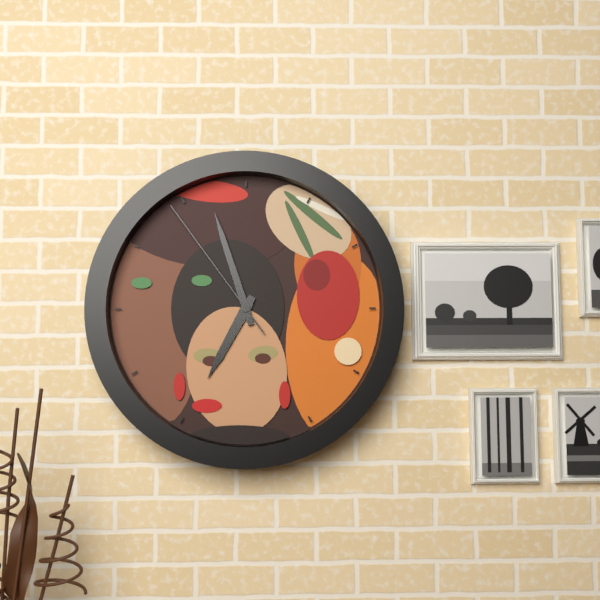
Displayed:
6.57.54
